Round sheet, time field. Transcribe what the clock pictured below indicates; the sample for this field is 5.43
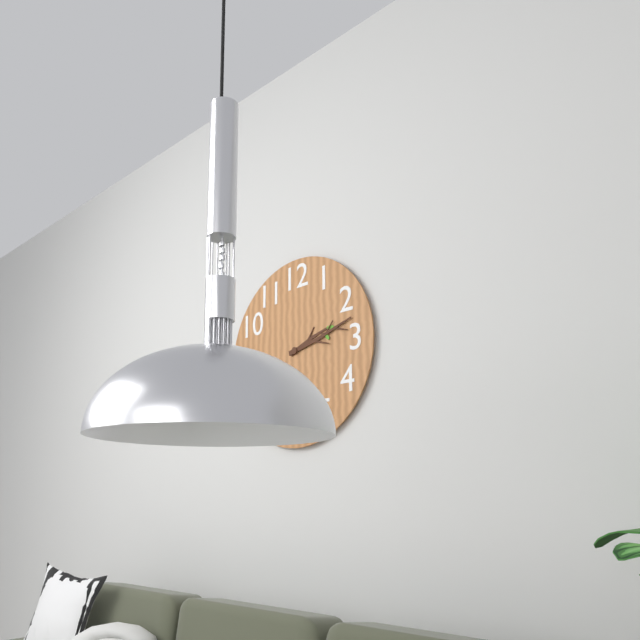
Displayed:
2.13
